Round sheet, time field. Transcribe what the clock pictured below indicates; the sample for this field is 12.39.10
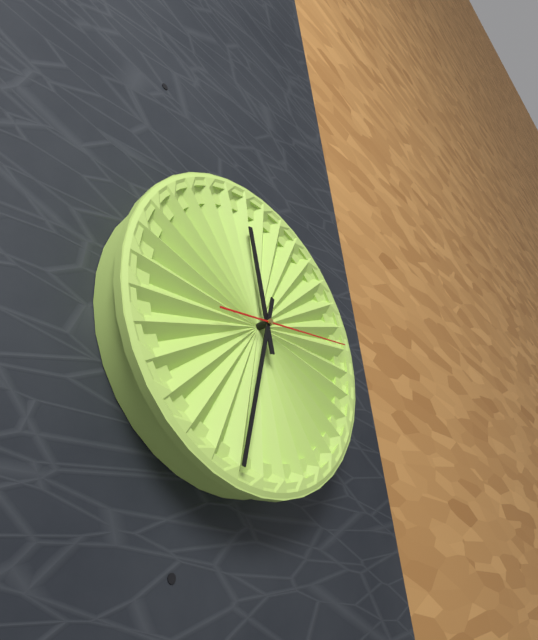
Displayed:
11.32.13
